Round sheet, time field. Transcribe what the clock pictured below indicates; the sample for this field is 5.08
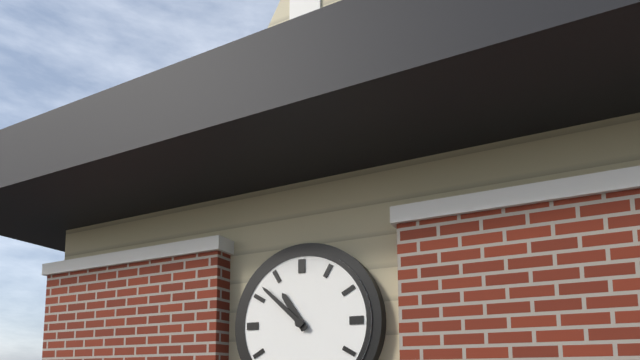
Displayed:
10.52
